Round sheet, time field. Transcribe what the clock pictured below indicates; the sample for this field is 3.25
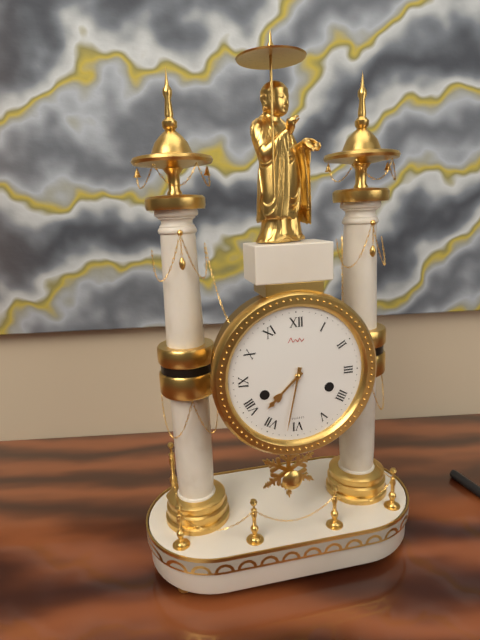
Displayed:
7.32
